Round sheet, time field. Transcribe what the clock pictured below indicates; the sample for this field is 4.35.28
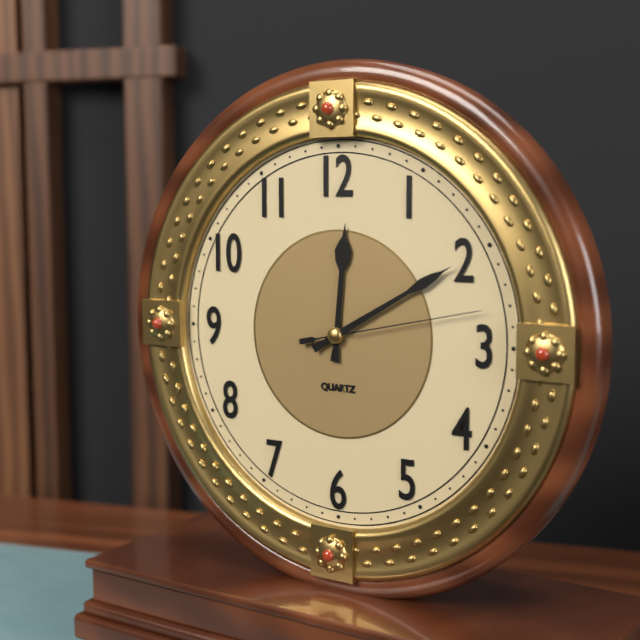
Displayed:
12.10.13
